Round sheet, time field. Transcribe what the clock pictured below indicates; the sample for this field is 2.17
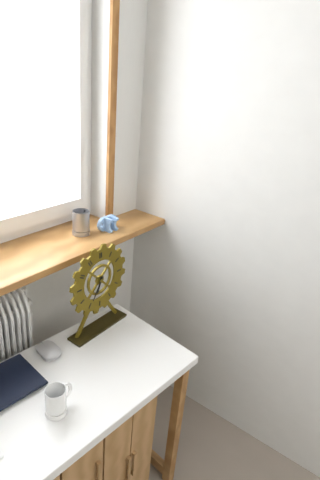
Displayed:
6.35
